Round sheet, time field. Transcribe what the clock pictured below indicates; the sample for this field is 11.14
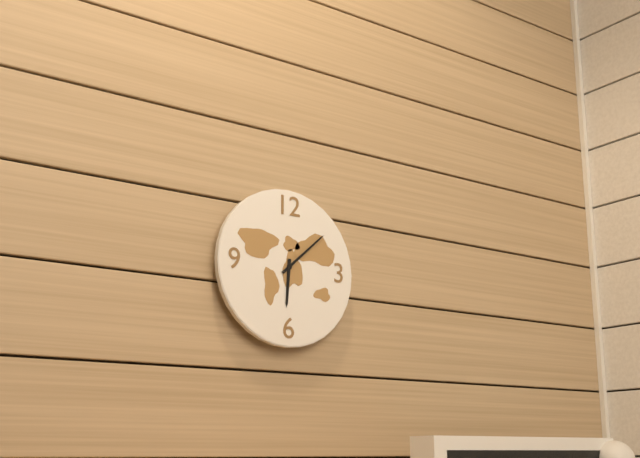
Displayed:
6.08
